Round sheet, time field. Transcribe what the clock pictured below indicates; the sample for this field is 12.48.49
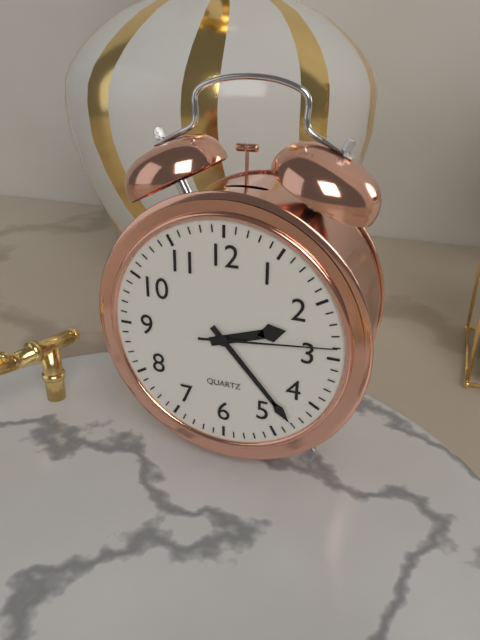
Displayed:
2.23.14
